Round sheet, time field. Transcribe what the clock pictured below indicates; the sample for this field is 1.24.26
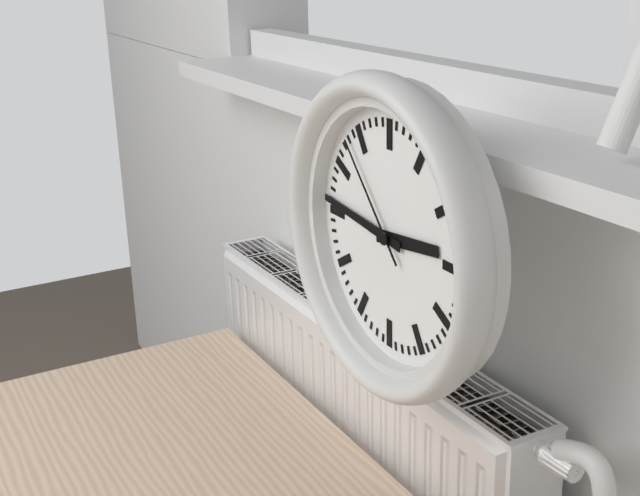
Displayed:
2.46.53
